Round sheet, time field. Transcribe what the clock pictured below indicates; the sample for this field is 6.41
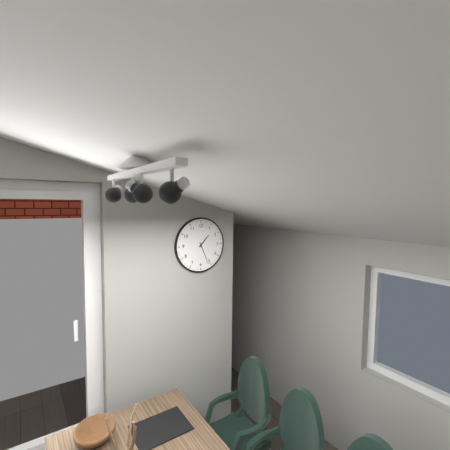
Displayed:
1.26
